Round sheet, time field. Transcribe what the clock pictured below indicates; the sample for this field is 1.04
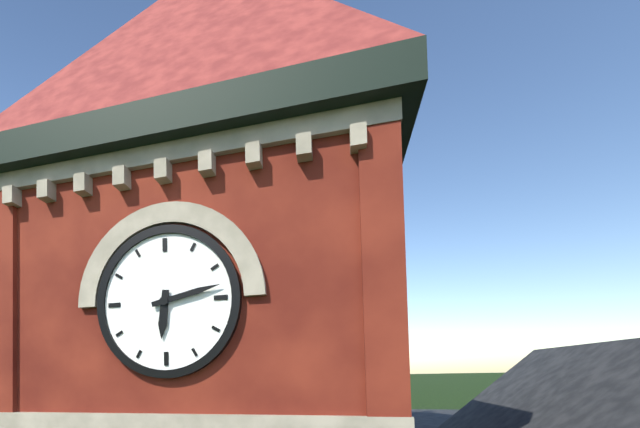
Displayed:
6.13
